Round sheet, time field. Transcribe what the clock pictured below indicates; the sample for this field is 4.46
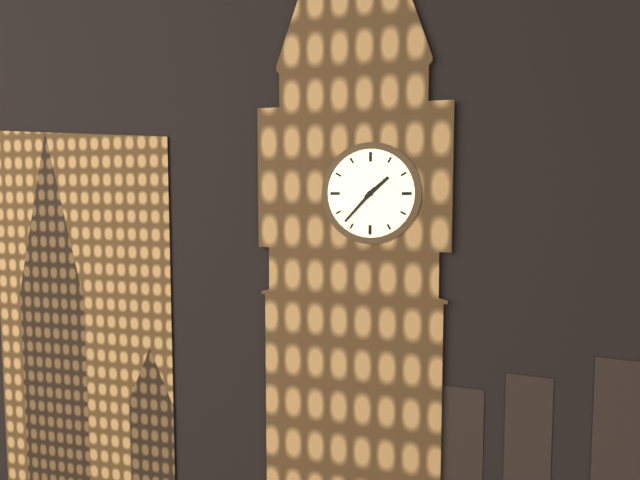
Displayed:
1.37
